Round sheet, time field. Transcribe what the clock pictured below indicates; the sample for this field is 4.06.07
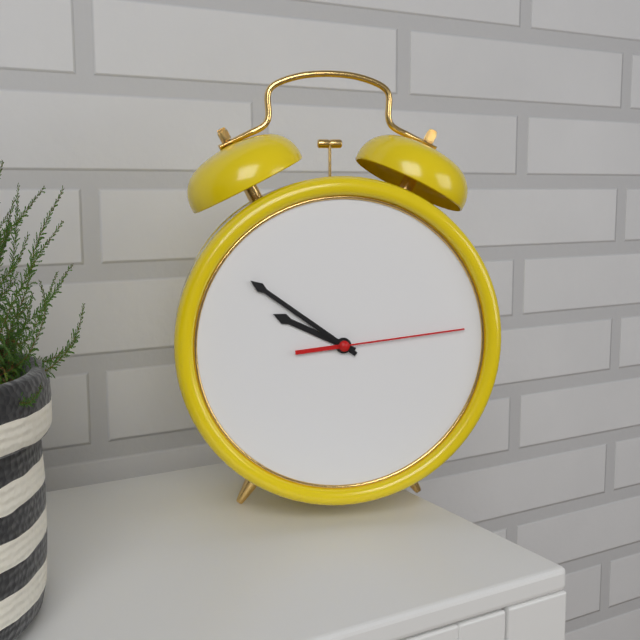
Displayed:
9.51.14
